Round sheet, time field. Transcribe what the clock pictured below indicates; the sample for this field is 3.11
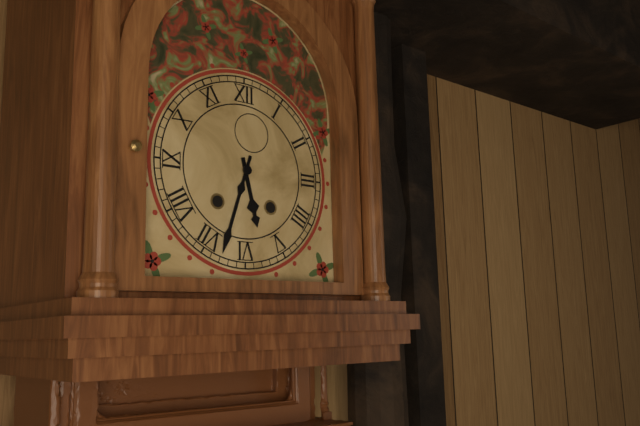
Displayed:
5.33
